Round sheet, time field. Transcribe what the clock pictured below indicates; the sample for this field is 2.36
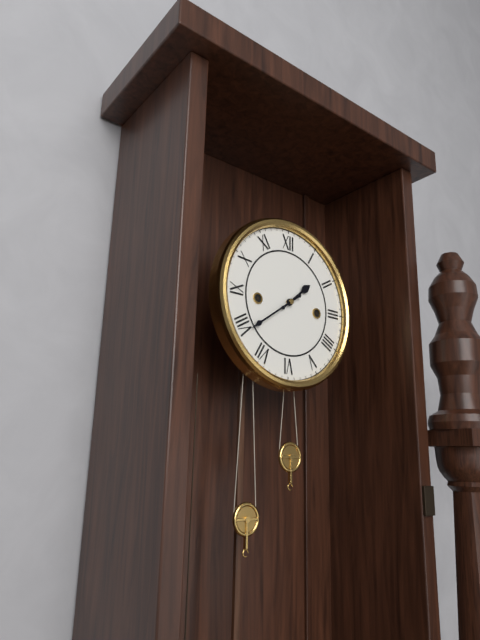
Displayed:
1.39
